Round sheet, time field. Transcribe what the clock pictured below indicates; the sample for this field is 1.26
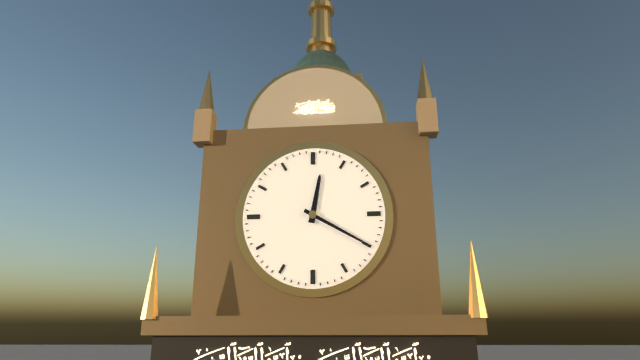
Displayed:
12.20
